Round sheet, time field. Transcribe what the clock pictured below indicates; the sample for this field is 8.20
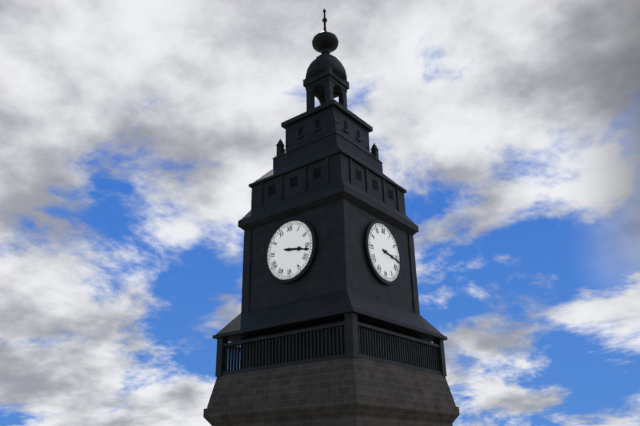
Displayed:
3.17
